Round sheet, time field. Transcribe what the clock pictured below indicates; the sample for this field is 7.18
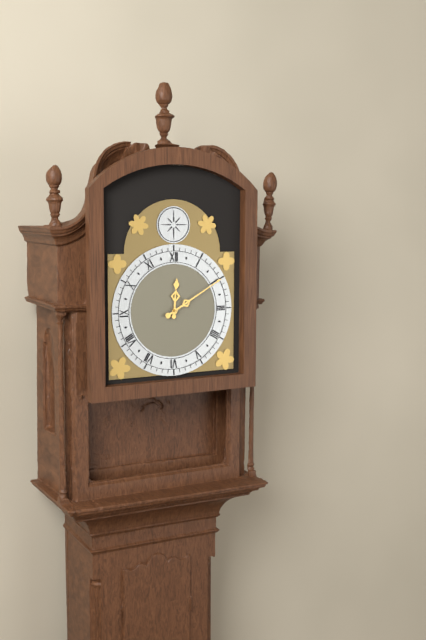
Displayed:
12.10
